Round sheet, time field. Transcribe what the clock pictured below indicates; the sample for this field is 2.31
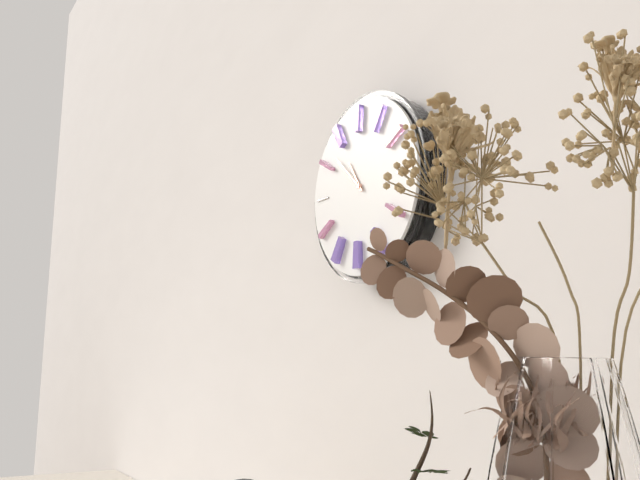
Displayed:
10.52
